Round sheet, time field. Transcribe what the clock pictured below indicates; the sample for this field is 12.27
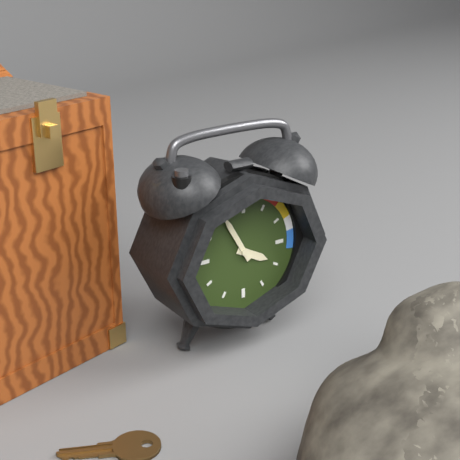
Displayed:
3.55
